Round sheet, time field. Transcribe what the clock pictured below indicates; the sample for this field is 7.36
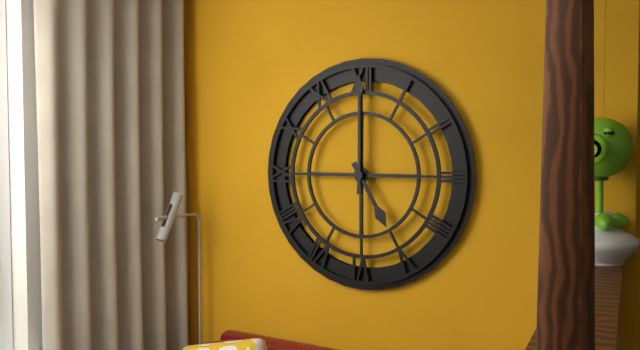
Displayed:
5.00
